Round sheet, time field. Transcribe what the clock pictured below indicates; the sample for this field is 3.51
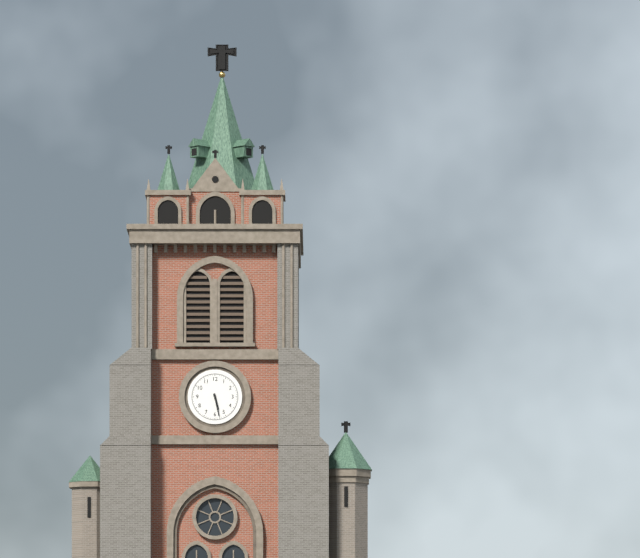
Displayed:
5.28
